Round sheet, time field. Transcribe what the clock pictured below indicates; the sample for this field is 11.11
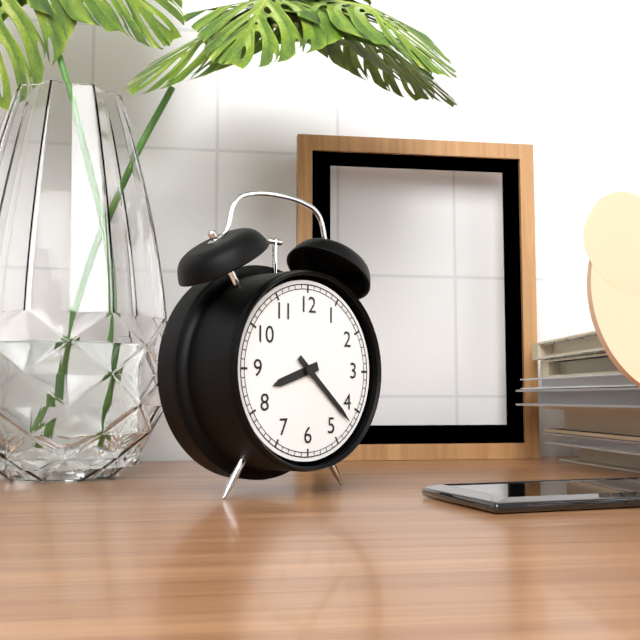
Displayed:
8.22
